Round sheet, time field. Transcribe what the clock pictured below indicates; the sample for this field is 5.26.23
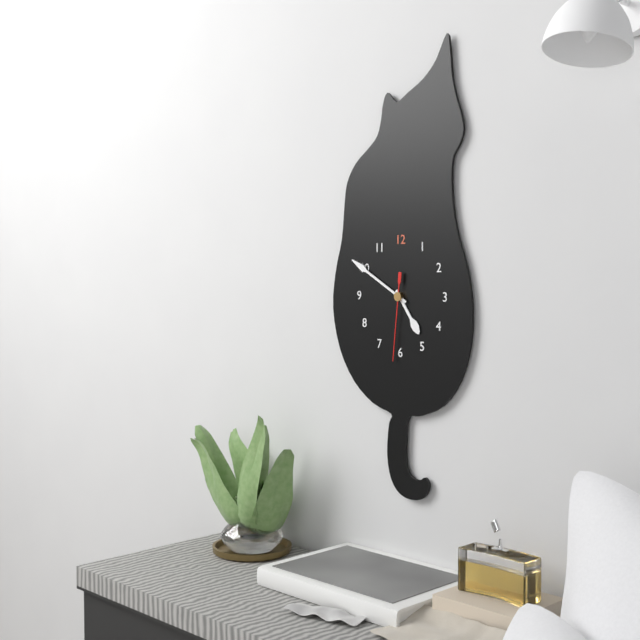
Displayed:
4.50.31
